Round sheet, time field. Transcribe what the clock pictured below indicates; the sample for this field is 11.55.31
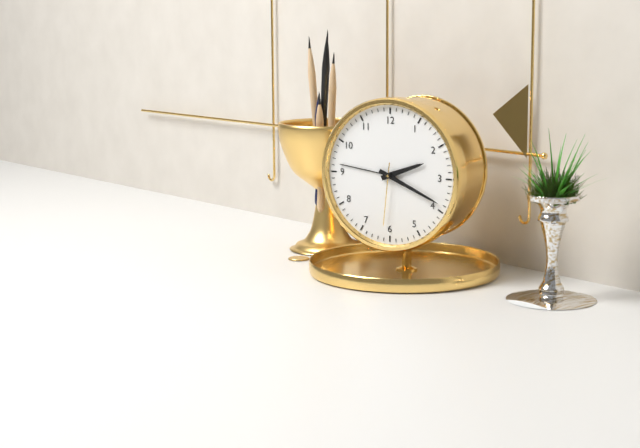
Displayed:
2.19.31
